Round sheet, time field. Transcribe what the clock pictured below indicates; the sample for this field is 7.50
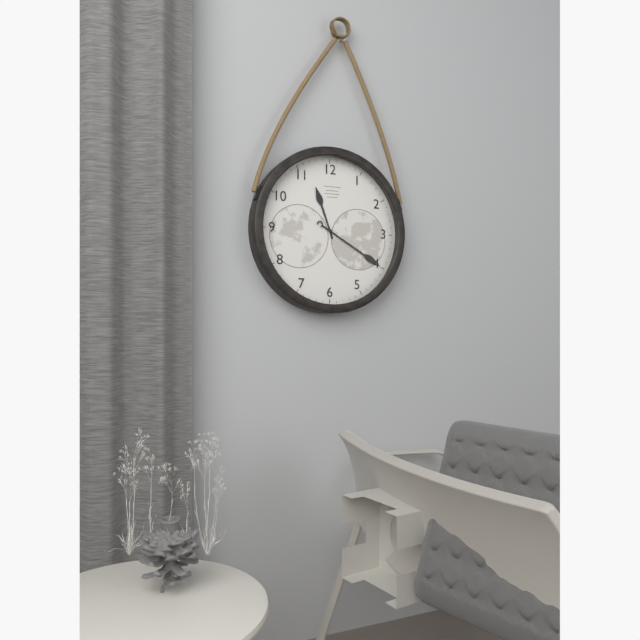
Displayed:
11.20
